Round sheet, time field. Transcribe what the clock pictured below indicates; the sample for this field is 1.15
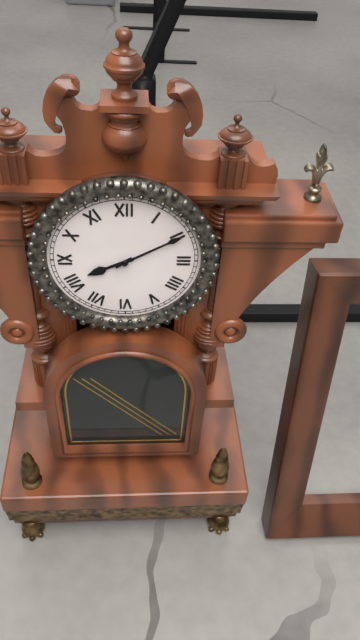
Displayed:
8.10
